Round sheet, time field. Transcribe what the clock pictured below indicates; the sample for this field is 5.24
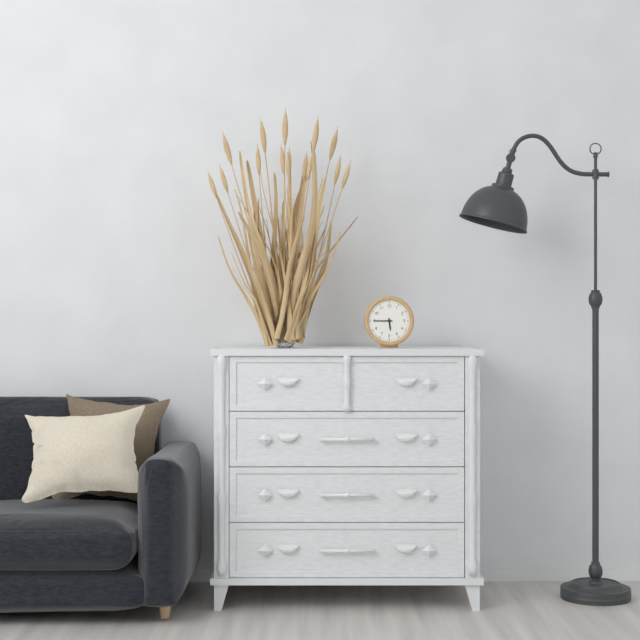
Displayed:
5.45
